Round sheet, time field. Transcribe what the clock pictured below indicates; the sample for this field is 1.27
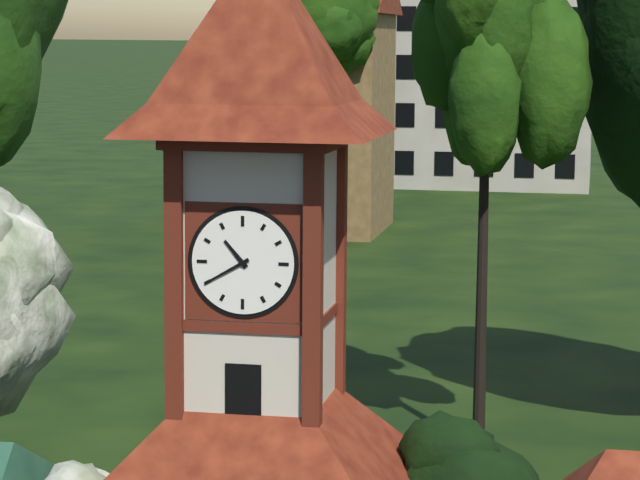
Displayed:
10.40
